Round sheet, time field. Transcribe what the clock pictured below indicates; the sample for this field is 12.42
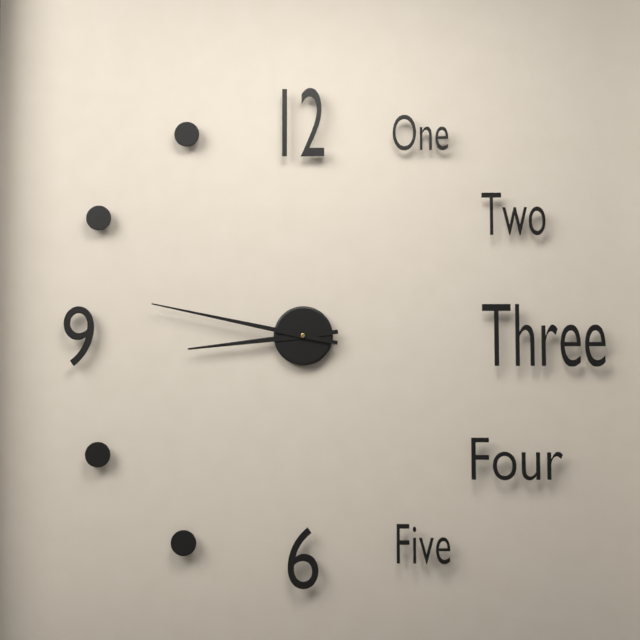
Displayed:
8.47
